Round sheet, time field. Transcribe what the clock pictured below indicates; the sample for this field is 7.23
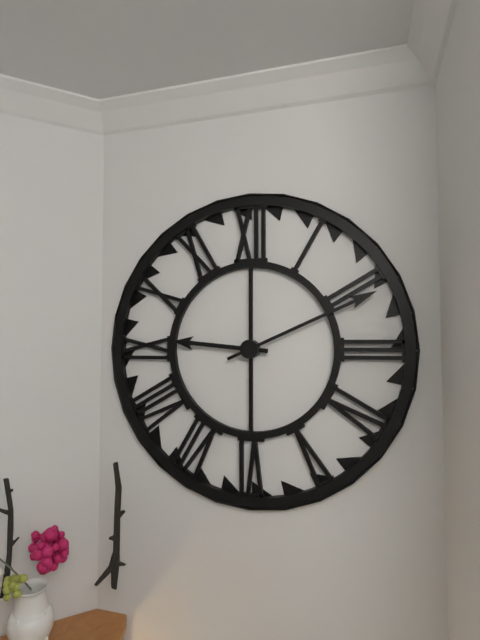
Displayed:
9.11
